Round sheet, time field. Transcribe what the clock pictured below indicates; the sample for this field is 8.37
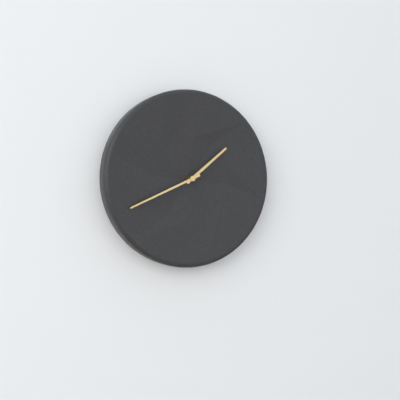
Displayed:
1.41
